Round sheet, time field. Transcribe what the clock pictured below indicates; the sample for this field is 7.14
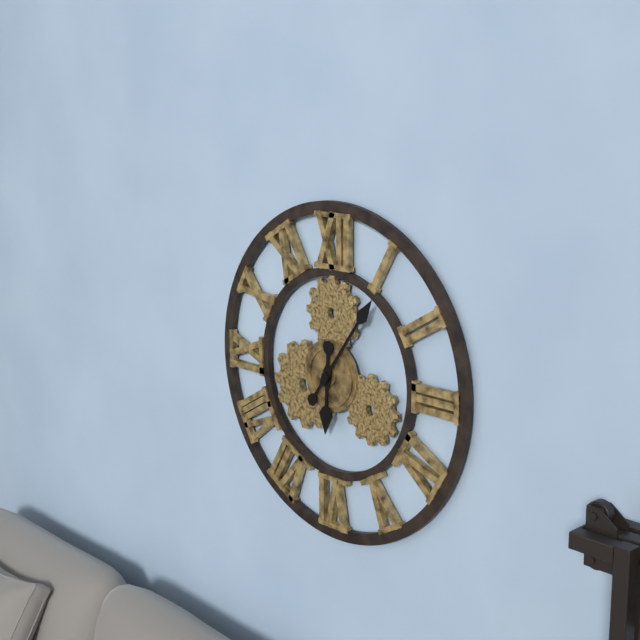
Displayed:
6.06
